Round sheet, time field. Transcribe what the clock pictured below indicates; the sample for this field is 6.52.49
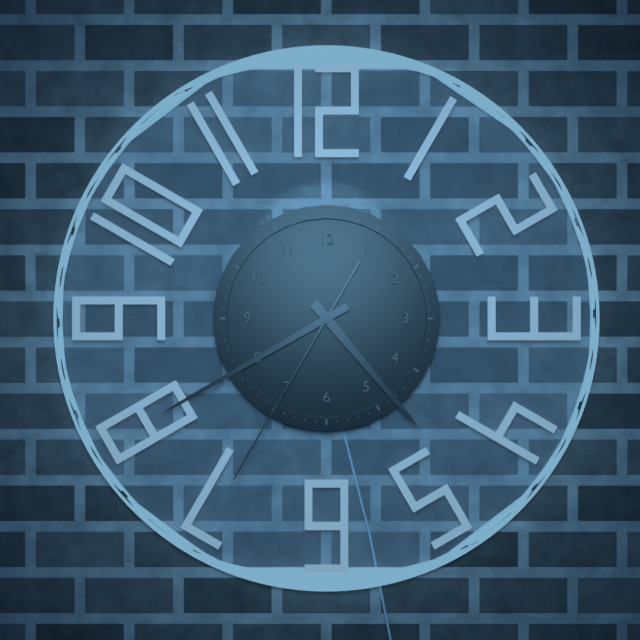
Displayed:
4.40.35
